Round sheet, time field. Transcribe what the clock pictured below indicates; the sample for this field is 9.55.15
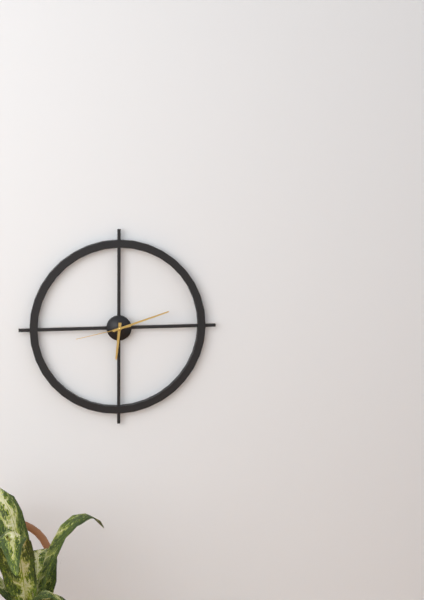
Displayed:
6.12.43
